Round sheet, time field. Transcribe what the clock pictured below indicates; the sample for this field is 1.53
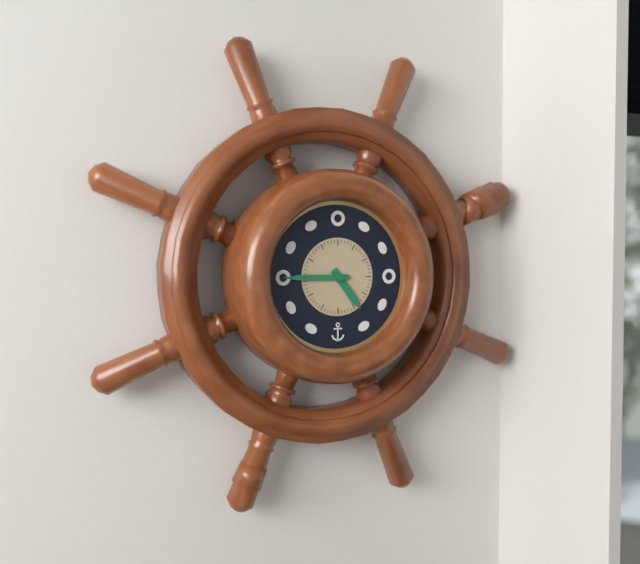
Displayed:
4.45
